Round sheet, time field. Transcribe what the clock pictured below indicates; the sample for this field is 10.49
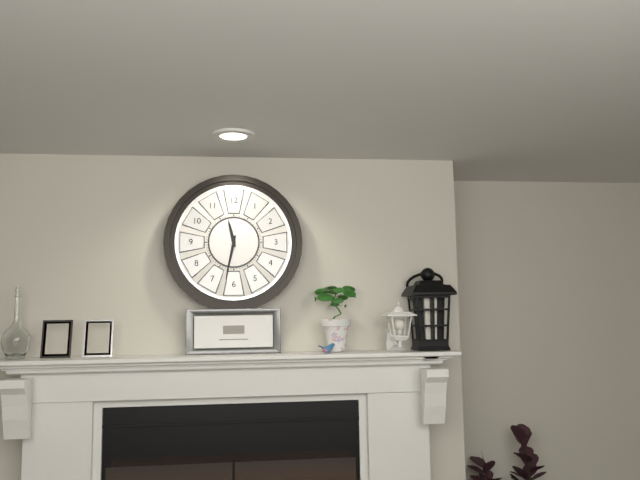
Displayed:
11.32
